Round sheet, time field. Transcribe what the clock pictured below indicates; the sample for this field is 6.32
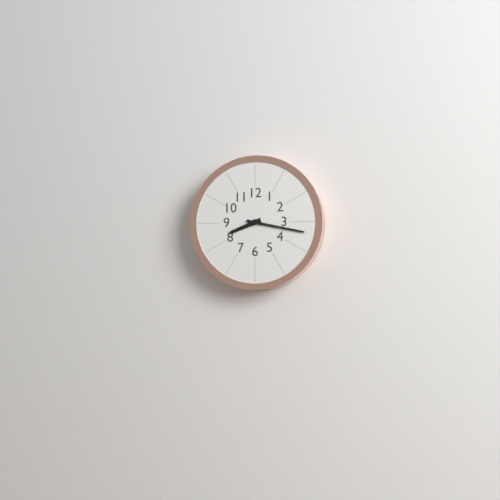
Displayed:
8.17
